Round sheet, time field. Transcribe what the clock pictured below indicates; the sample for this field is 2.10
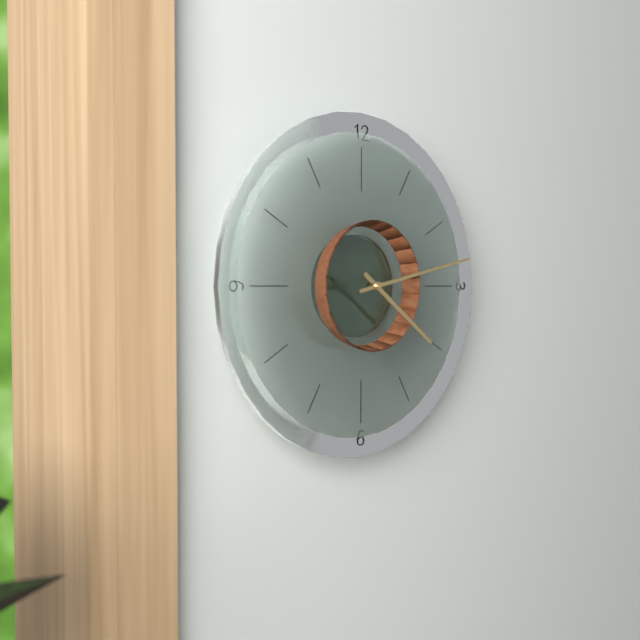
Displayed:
4.13
